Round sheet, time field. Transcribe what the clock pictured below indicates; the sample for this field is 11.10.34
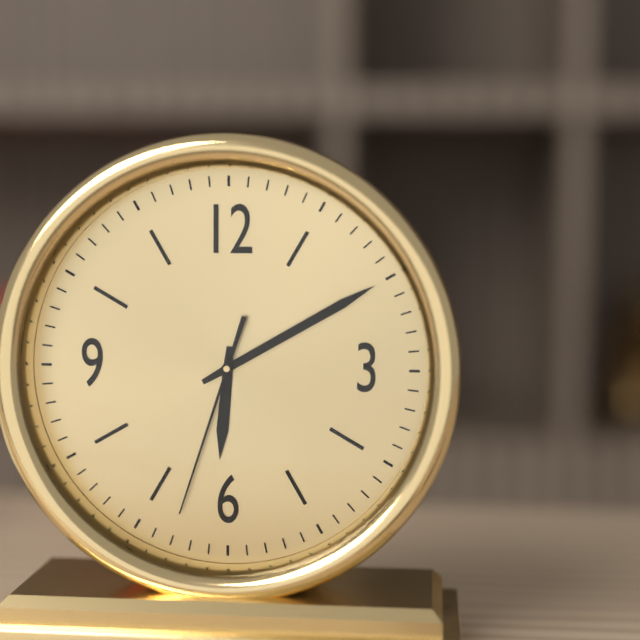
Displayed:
6.10.33
